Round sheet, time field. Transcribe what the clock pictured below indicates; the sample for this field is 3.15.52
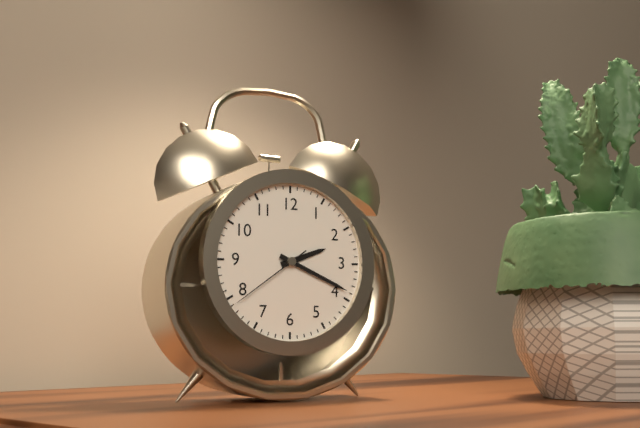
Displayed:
2.19.39
